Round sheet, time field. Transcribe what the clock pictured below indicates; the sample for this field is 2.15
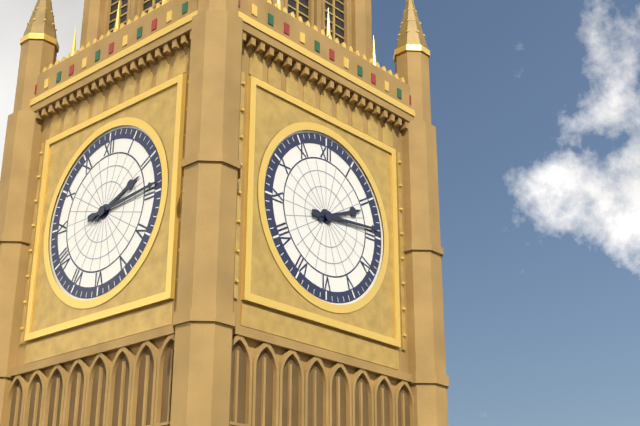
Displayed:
2.14
